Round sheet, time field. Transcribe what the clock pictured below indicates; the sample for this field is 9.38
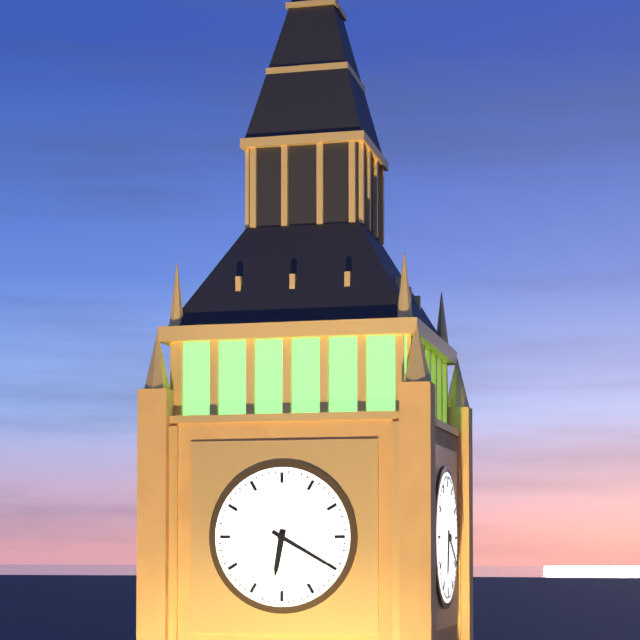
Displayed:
6.20
